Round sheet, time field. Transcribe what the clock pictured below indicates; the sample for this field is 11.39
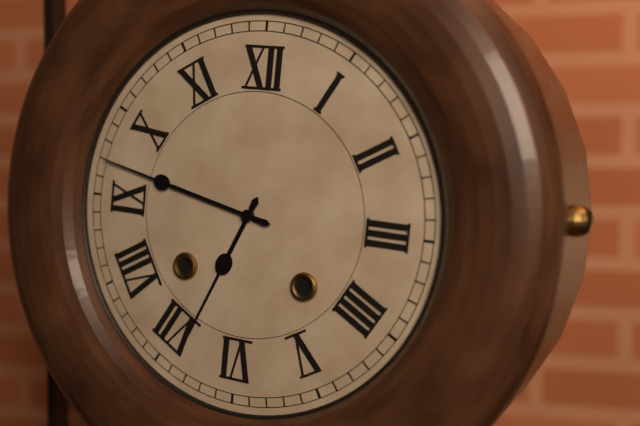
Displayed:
6.47
